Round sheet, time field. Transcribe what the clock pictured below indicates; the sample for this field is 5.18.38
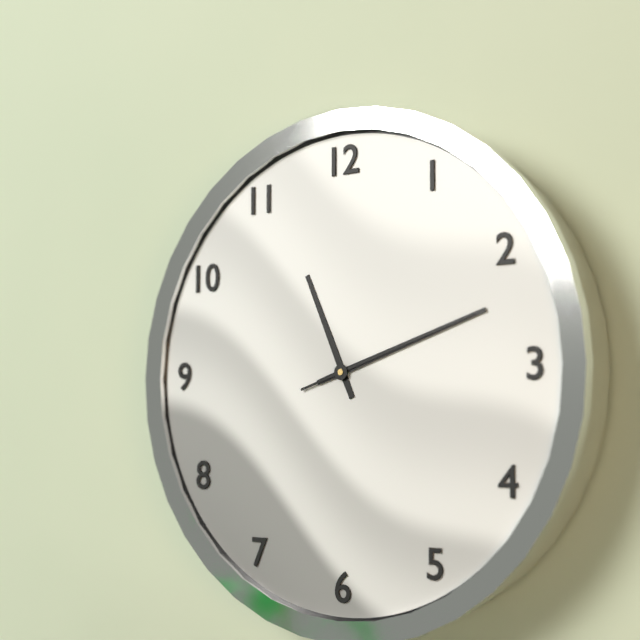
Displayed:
11.12.12
